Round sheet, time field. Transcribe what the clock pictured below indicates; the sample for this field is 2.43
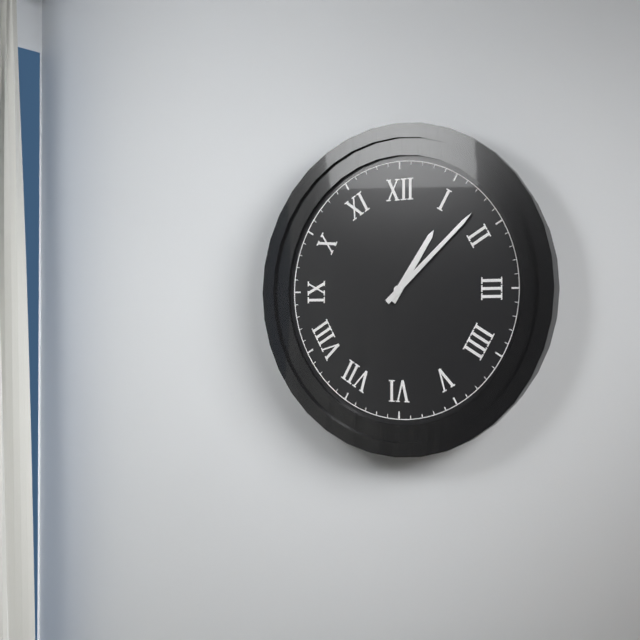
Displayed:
1.08
